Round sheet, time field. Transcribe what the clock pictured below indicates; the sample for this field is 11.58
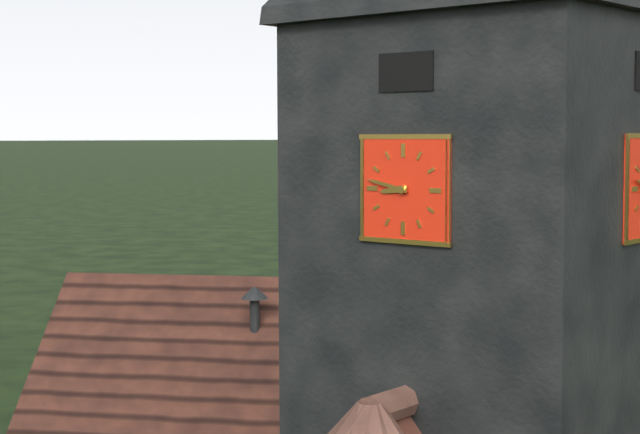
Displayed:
8.47
